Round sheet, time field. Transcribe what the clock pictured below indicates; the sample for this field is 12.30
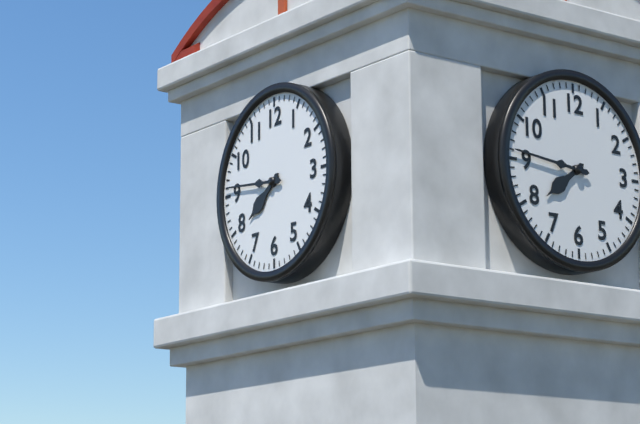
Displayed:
7.46
